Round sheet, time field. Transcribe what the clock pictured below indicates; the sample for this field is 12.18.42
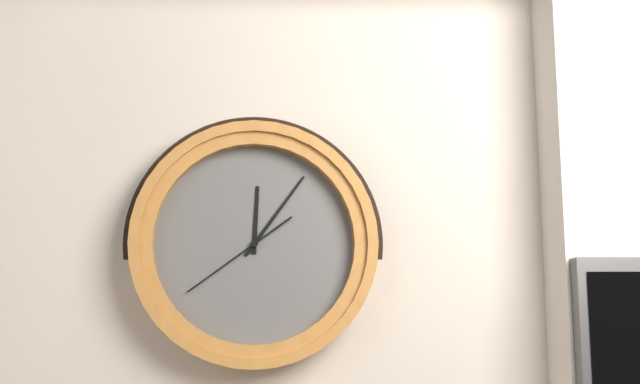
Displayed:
12.06.39
